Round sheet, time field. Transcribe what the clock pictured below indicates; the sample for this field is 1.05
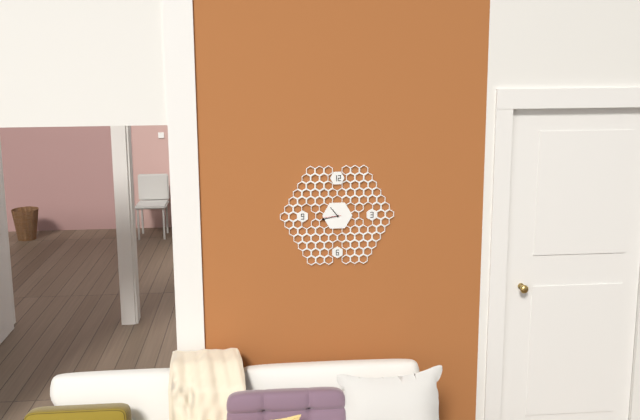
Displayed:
10.43
